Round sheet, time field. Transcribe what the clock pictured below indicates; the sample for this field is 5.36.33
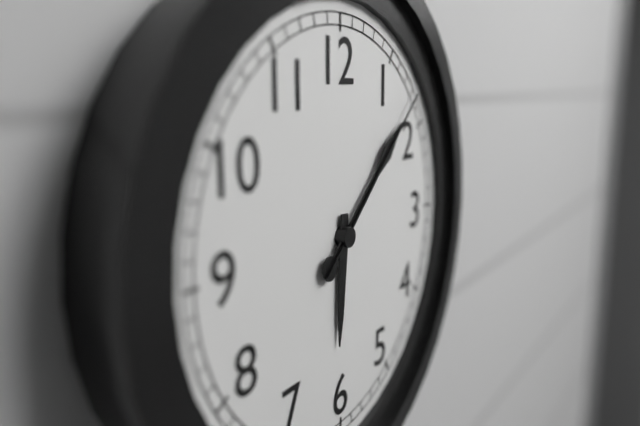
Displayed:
6.08.08
